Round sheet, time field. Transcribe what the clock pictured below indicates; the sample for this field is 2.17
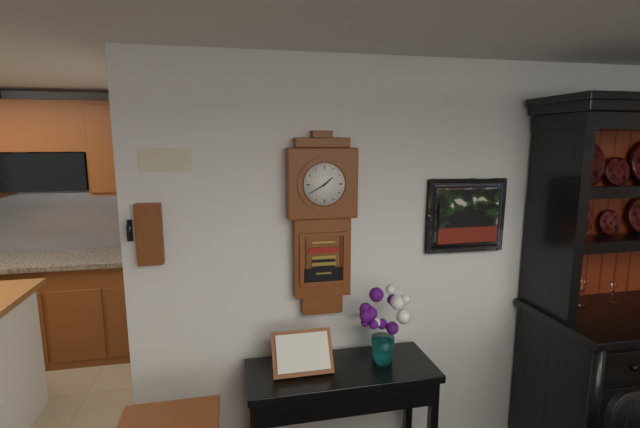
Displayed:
1.40
